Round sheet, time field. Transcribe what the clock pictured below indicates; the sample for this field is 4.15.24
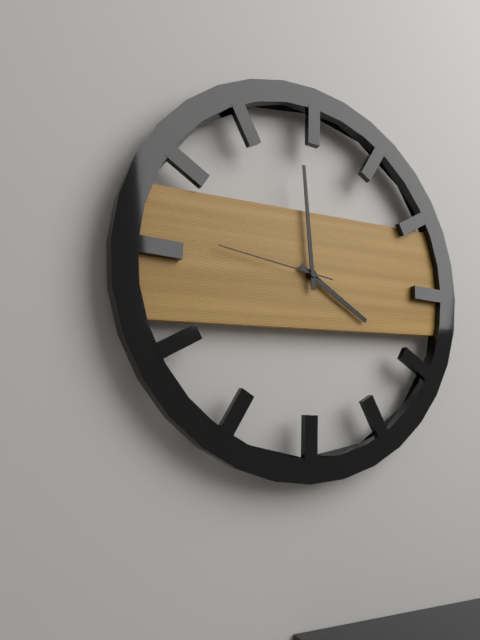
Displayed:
3.59.46
